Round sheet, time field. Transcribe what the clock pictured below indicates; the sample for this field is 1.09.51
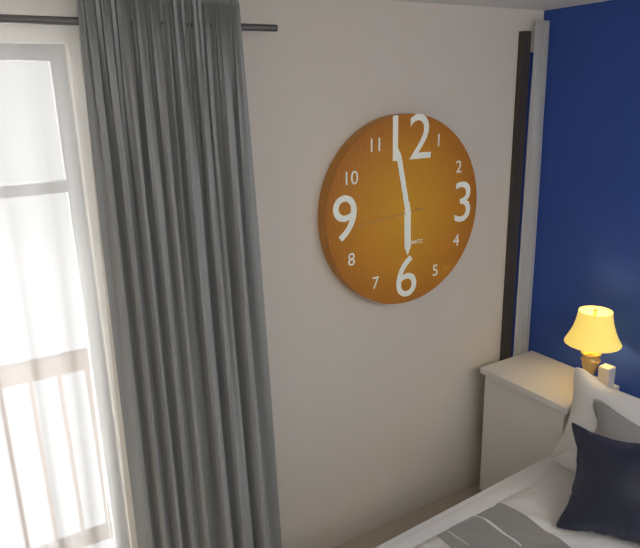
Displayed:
5.58.44
